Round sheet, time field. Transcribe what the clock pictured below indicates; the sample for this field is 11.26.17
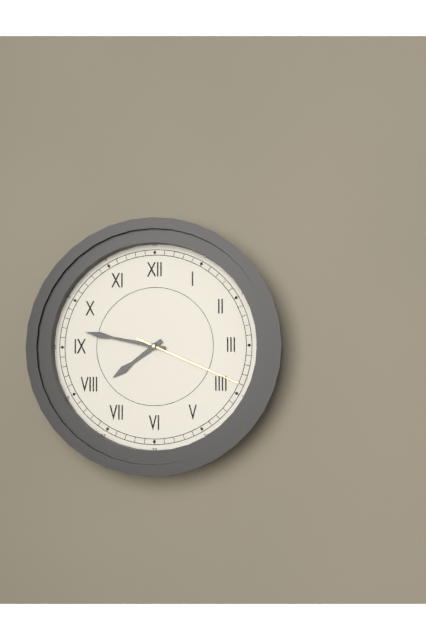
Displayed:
7.47.19
